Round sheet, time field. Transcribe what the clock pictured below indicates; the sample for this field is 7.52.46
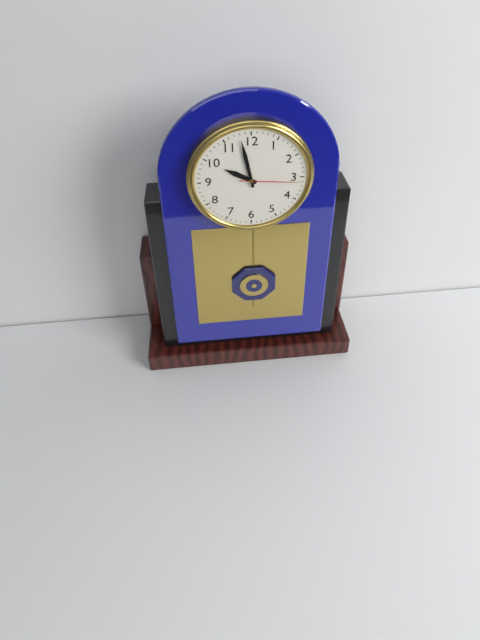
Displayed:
9.58.16
